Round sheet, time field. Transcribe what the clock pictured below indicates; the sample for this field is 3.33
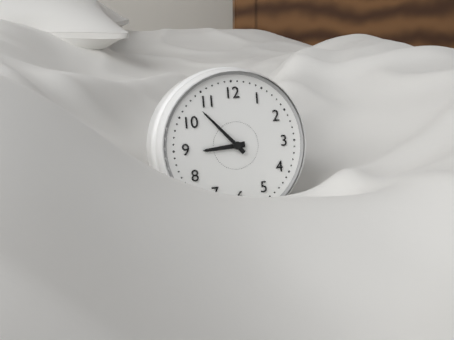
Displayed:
8.53
